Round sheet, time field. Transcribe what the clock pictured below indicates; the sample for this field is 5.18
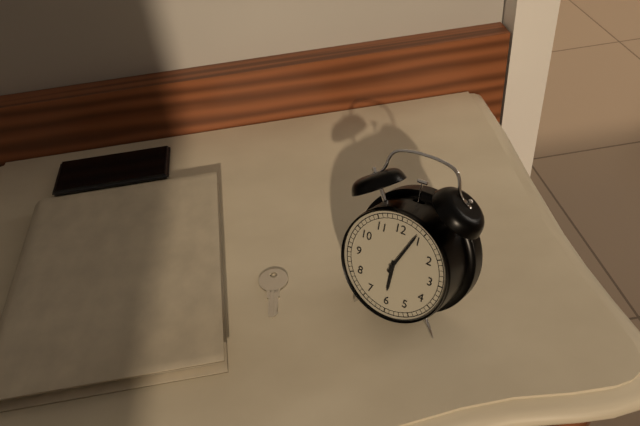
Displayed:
6.04
